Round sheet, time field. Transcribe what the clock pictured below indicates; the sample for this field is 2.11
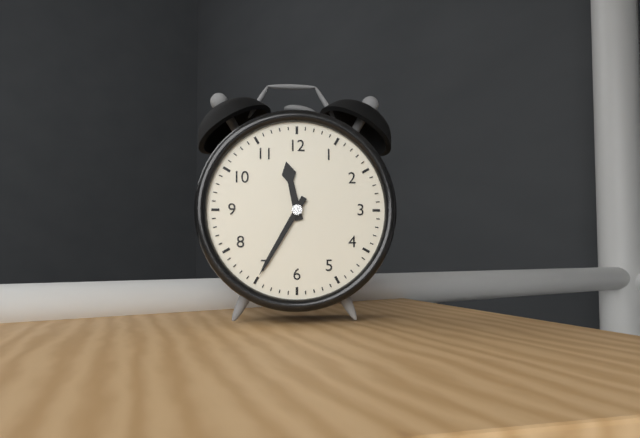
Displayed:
11.35
